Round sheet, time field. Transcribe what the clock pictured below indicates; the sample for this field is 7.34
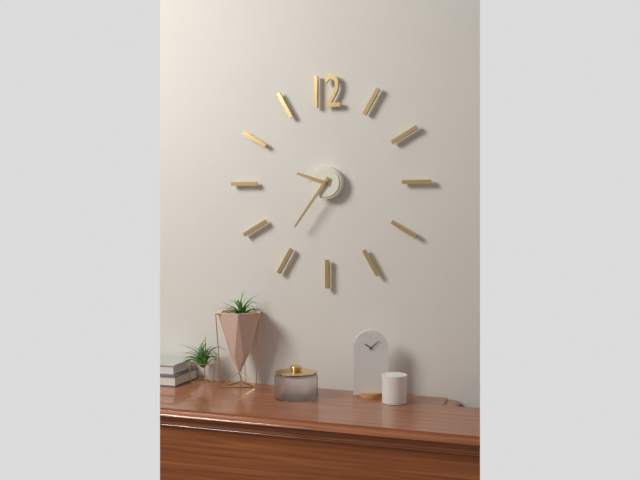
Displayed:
9.36
